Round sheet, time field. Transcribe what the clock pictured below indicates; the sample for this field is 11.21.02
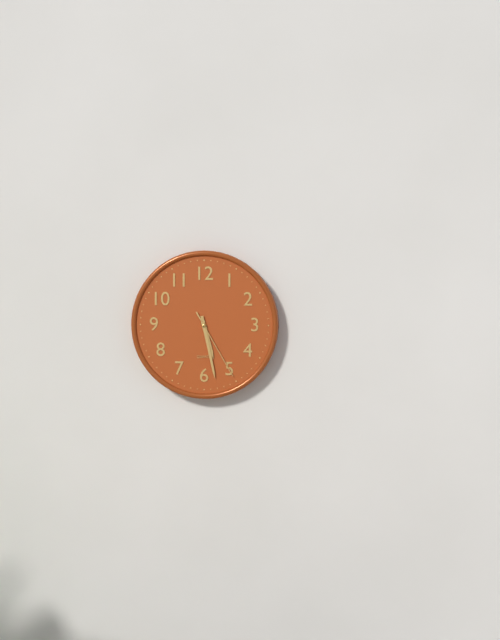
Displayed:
5.28.25
